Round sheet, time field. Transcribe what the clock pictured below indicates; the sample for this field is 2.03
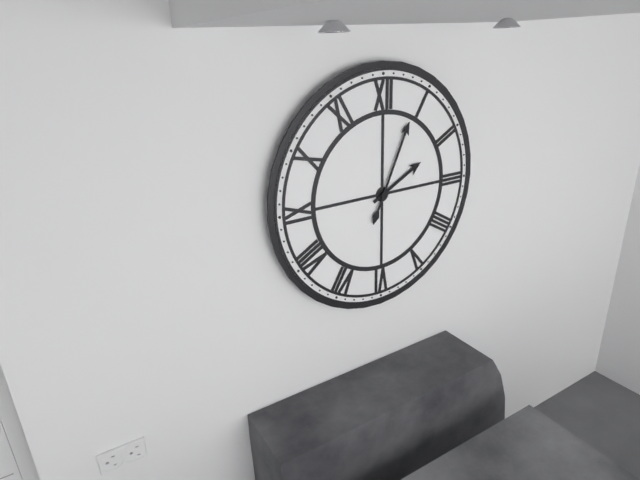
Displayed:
2.04
